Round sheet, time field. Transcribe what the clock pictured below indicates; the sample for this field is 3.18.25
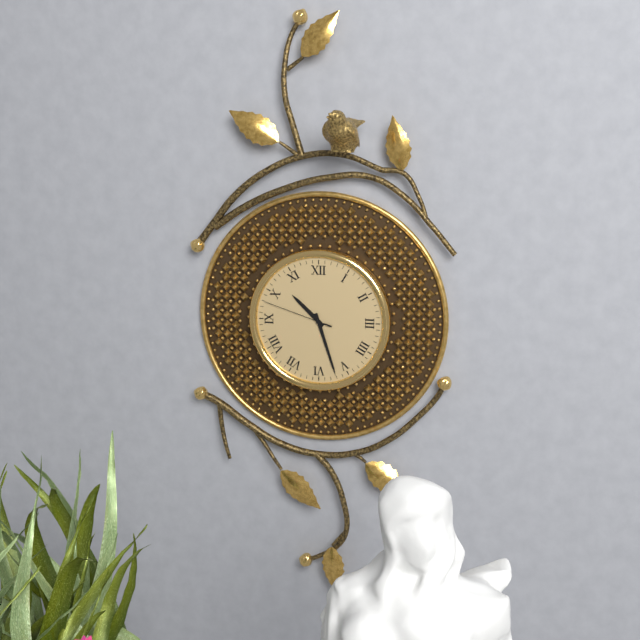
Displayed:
10.27.48
